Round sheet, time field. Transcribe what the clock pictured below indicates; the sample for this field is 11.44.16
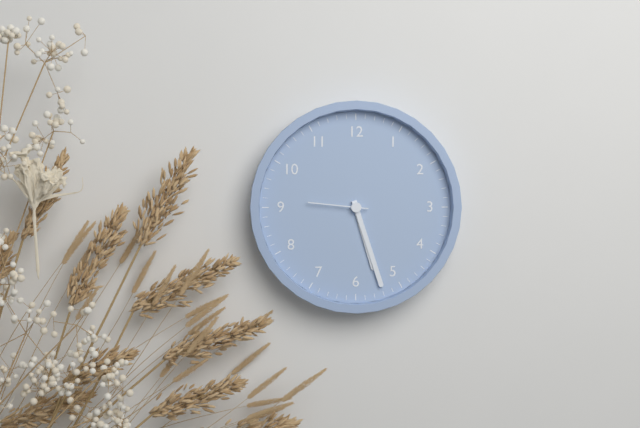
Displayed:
5.27.46
